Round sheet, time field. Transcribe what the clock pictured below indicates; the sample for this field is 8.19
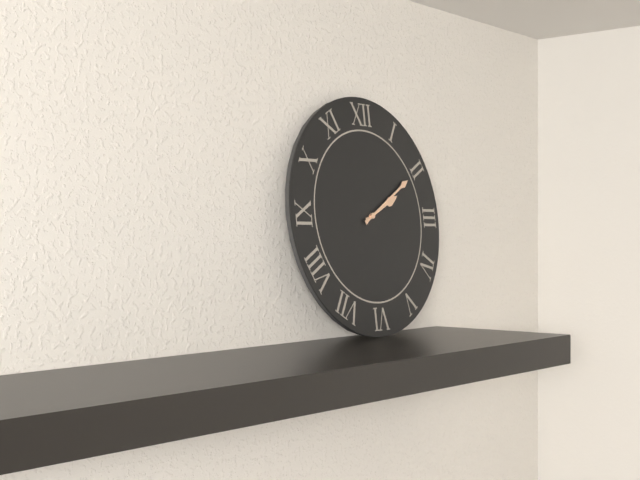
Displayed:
2.10
